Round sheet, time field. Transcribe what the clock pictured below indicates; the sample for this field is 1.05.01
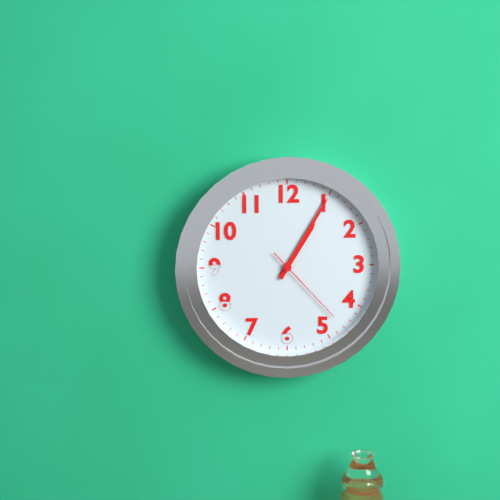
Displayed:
1.05.23
